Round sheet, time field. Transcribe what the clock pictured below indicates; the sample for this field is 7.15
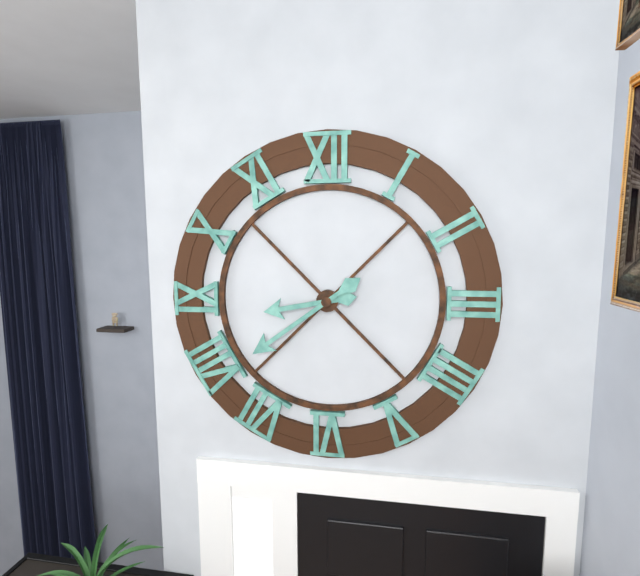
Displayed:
8.39
